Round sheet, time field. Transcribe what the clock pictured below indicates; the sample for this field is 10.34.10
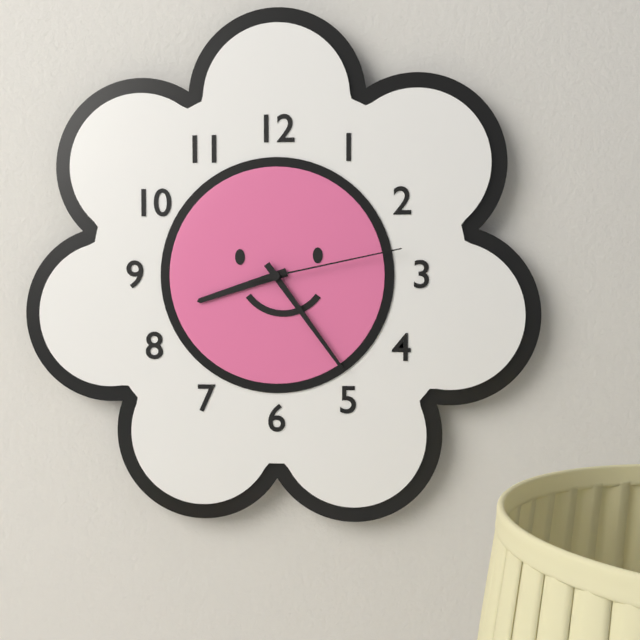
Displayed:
8.24.13
